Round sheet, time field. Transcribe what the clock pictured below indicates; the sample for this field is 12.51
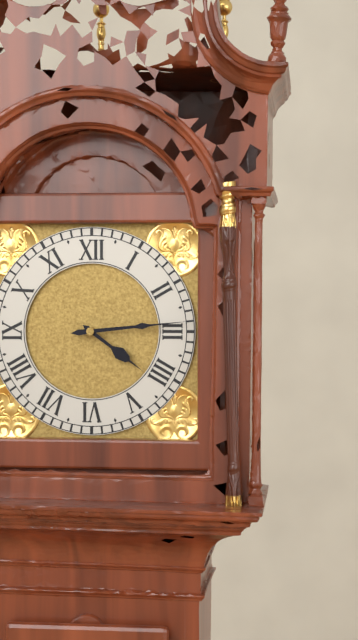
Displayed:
4.14
